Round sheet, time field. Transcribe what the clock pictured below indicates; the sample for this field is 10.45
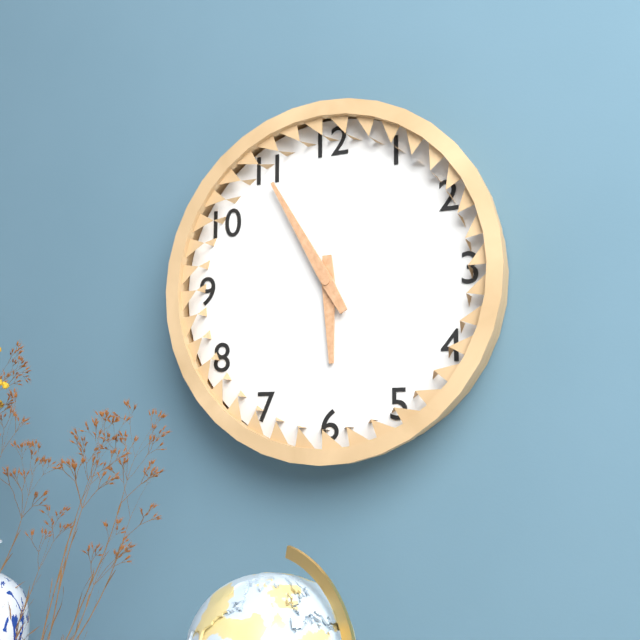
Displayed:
5.55
